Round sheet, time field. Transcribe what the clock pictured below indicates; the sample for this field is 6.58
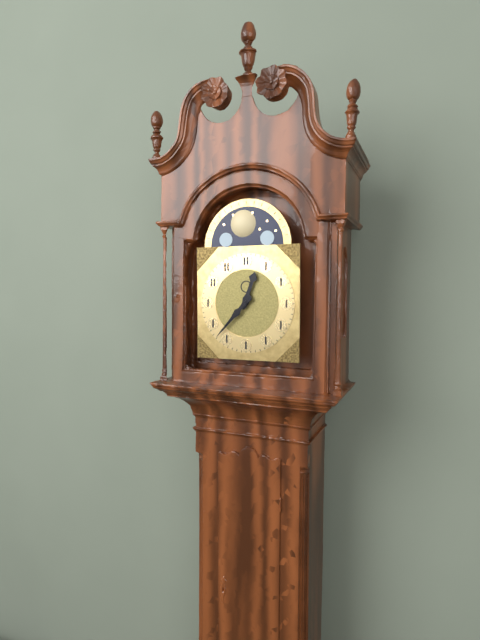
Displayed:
12.37
